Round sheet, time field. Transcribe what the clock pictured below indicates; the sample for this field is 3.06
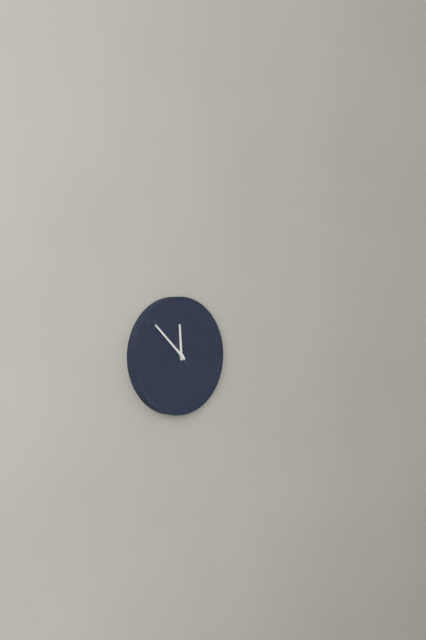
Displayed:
11.52
